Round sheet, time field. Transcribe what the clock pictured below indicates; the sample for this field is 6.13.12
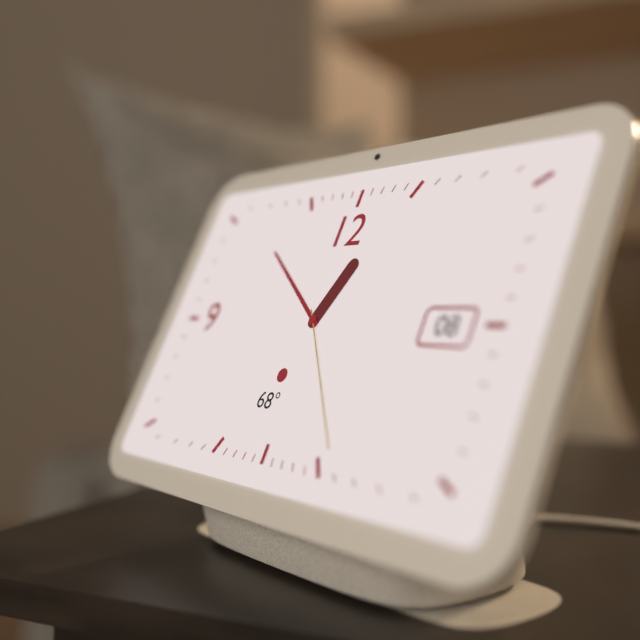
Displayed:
12.51.24
